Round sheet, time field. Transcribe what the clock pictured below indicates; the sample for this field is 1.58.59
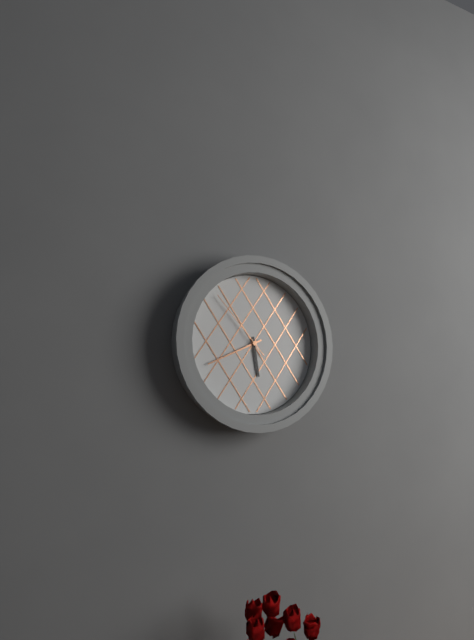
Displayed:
5.41.53
